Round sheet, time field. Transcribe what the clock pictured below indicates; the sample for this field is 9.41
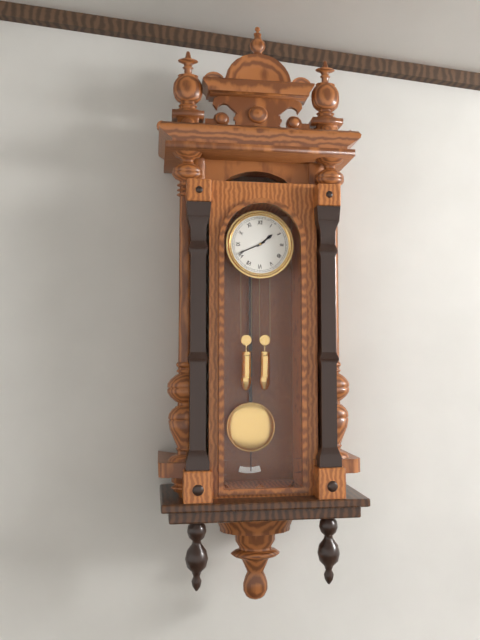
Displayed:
1.41
